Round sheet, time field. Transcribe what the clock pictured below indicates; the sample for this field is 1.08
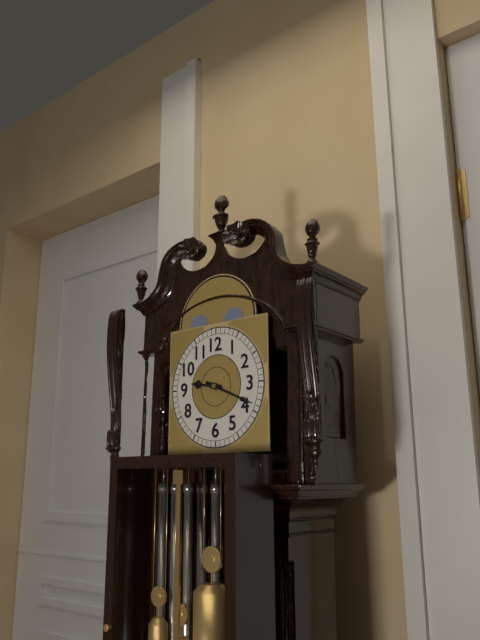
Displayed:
9.19
